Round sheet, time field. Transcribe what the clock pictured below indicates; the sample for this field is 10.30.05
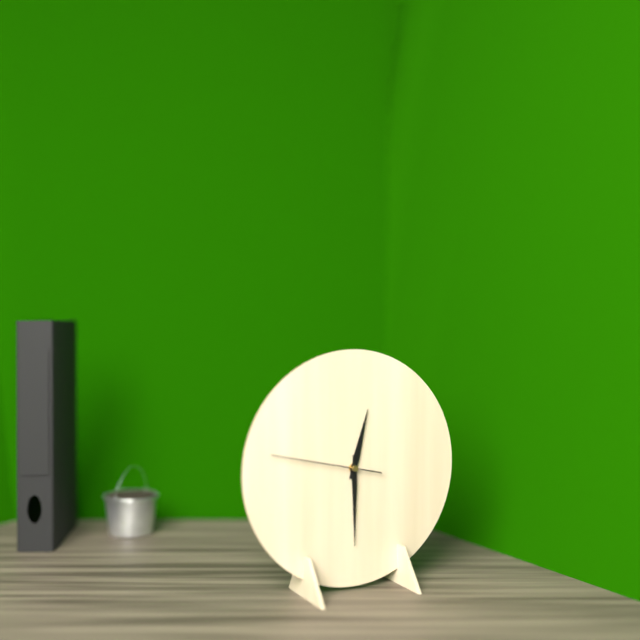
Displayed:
12.30.47
